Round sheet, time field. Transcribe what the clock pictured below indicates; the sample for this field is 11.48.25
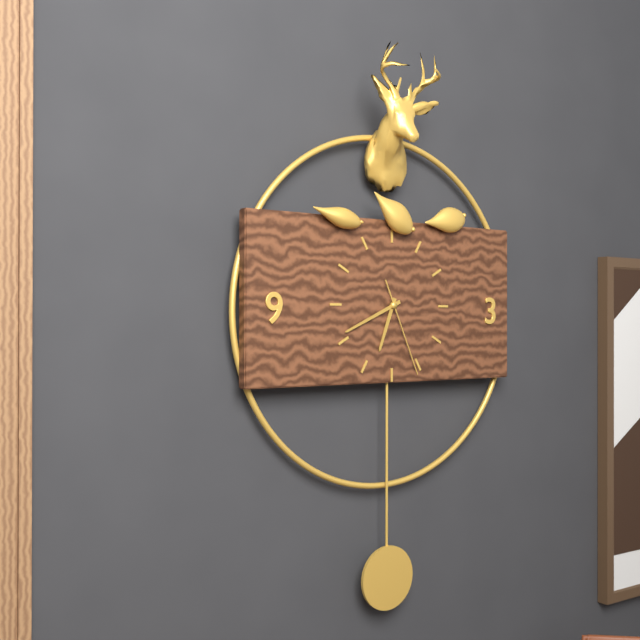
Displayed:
6.41.26
